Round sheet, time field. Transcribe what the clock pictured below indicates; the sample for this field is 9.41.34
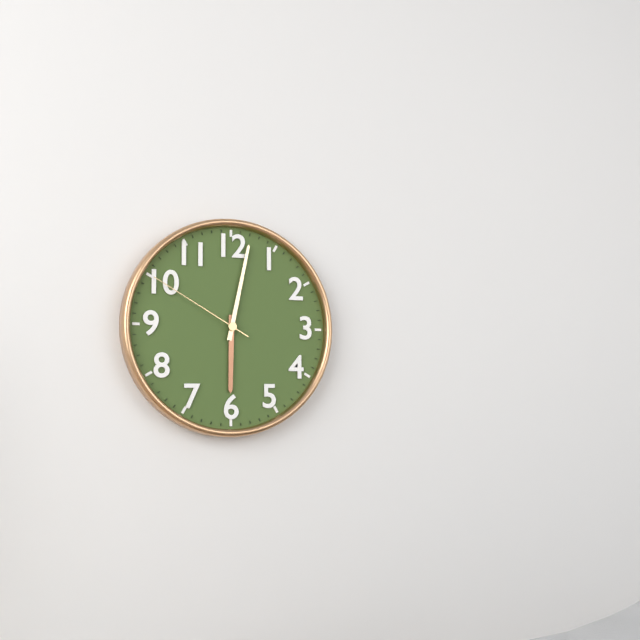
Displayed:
6.02.50
